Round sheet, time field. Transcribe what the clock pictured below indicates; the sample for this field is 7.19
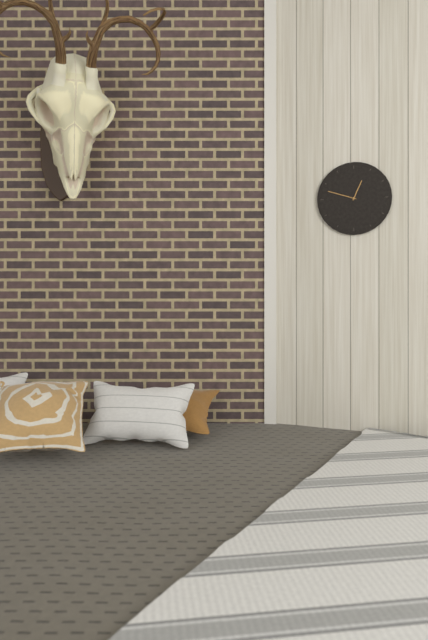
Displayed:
12.48
